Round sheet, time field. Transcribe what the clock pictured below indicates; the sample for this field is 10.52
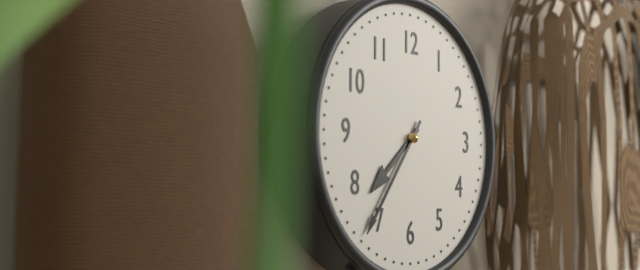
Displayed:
7.36
